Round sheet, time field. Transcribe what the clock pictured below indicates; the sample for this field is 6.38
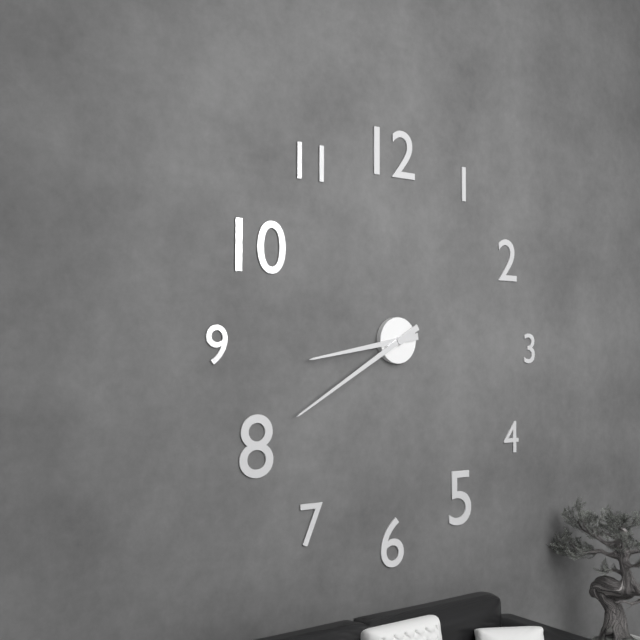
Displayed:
8.40
